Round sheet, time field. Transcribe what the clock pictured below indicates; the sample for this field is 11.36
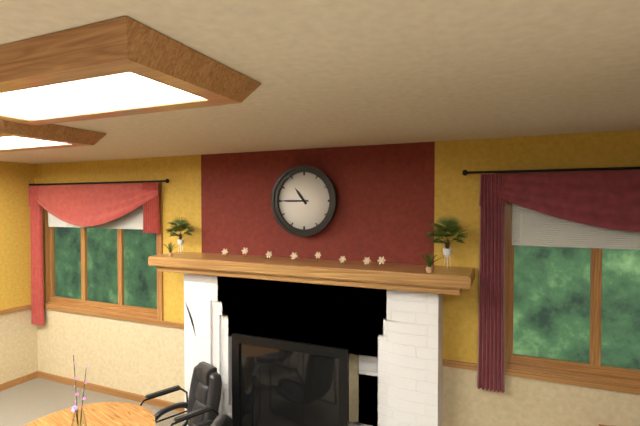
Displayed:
10.45
